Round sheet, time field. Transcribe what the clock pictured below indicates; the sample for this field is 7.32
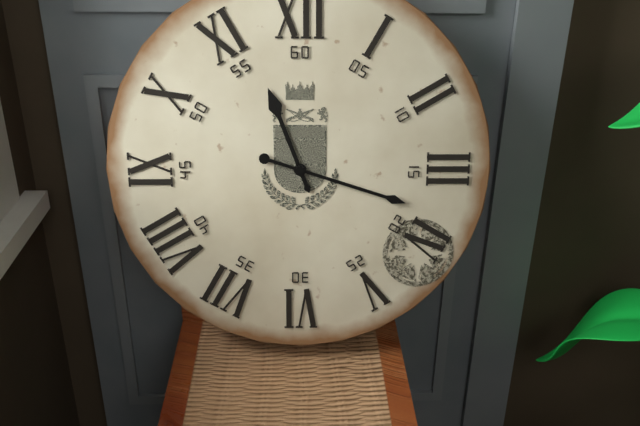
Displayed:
11.18
